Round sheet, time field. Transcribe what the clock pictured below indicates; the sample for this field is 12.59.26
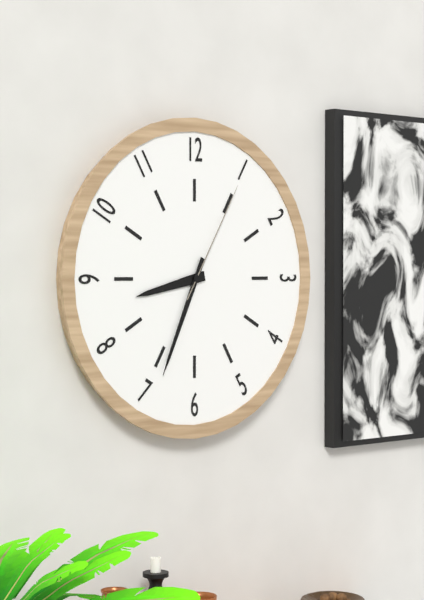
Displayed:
8.34.05
